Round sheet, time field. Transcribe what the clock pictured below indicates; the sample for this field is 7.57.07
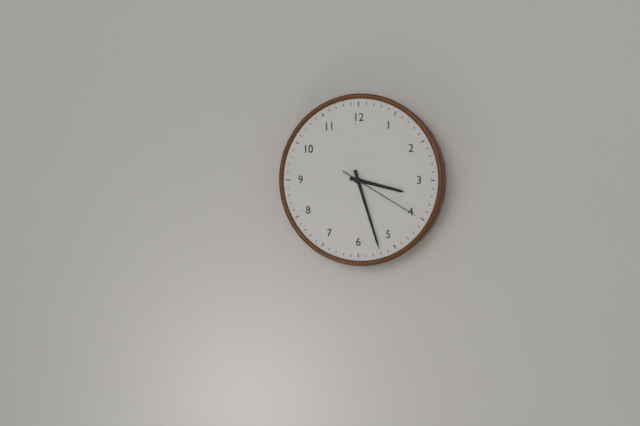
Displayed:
3.27.20
